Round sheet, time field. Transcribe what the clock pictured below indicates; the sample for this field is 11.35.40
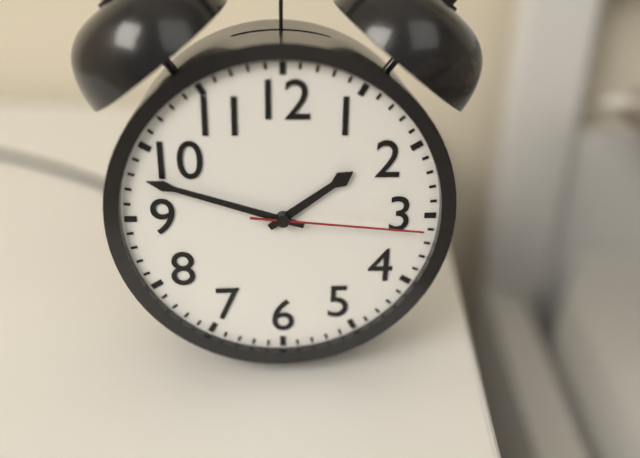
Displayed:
1.48.16
